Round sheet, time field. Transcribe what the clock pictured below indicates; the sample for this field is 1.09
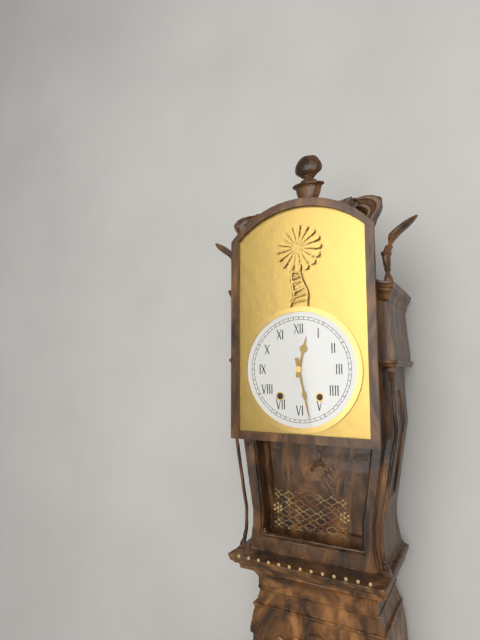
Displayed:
12.28
